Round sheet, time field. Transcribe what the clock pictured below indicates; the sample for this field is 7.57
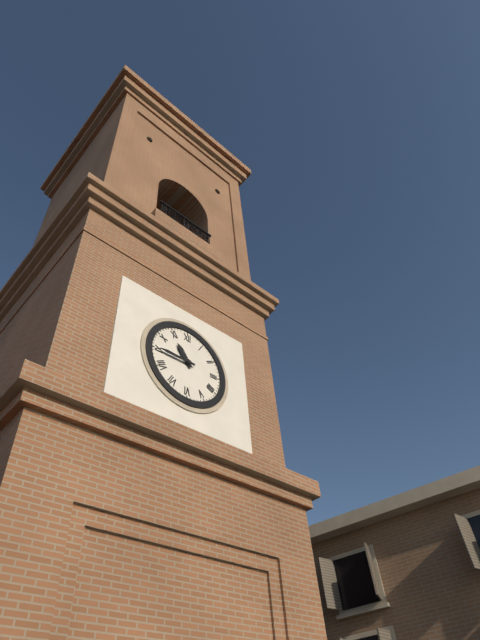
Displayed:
10.45
